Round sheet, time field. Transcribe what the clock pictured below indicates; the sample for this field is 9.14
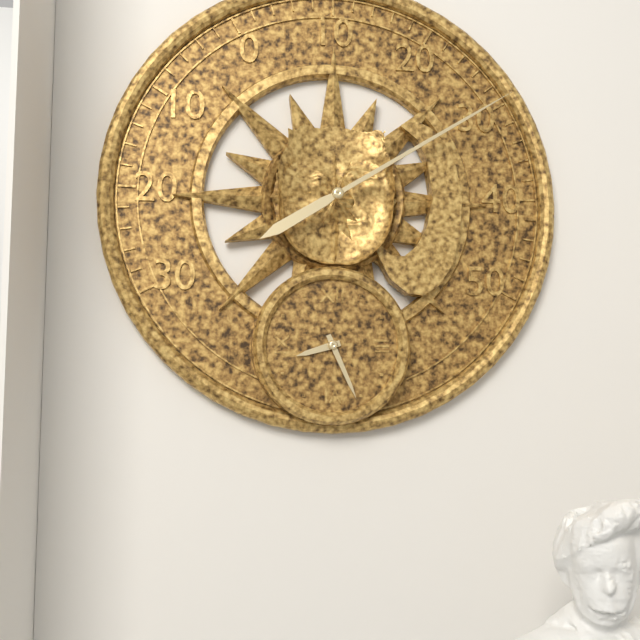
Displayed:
8.26
